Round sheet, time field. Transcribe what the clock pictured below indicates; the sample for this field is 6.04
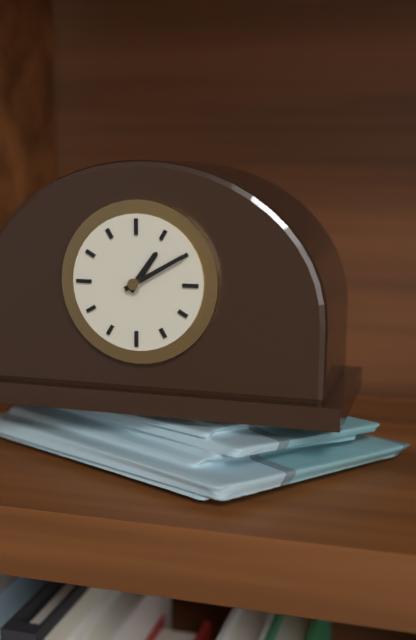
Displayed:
1.10
